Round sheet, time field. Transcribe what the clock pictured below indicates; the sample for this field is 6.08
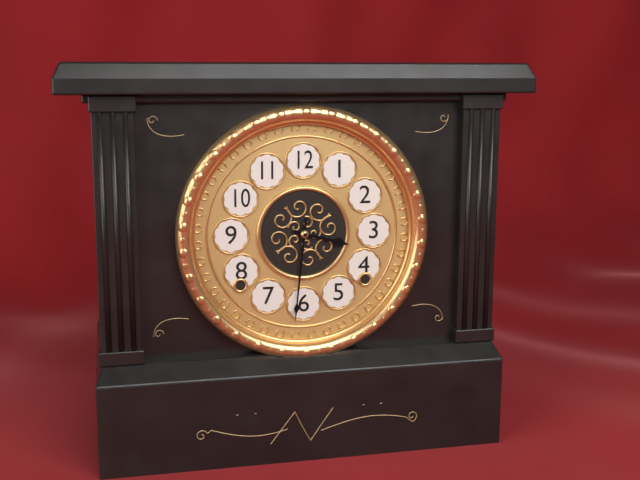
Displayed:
3.31
